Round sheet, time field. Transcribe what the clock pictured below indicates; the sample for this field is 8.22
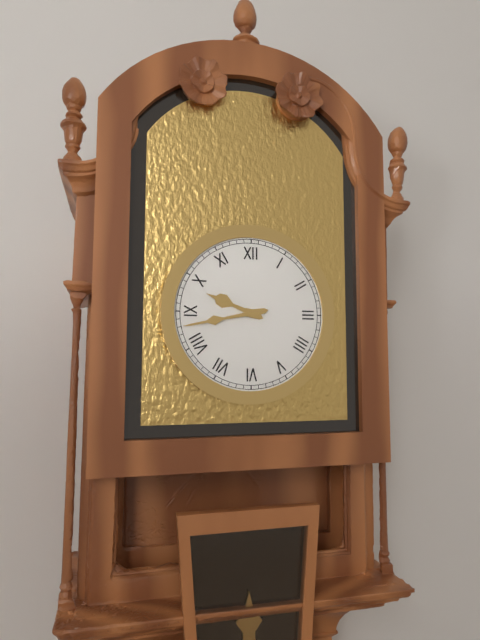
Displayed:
9.43
